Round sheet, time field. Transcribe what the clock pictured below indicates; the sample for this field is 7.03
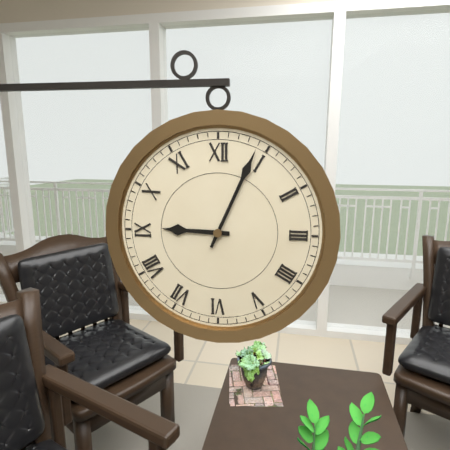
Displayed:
9.04
